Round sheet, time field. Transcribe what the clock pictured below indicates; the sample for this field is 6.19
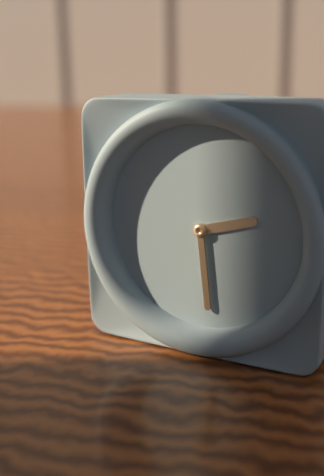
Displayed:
2.29
